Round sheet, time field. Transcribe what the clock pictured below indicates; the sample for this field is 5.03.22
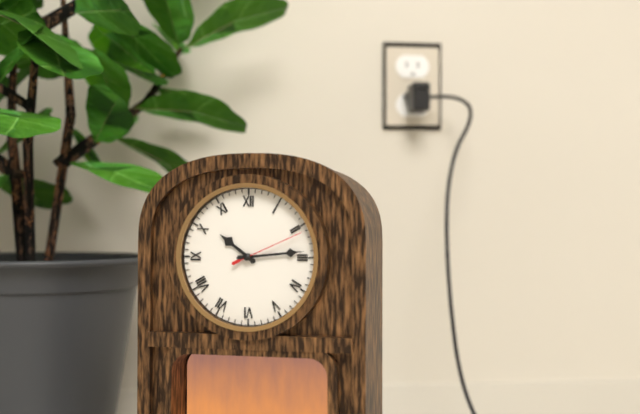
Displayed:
10.14.11
